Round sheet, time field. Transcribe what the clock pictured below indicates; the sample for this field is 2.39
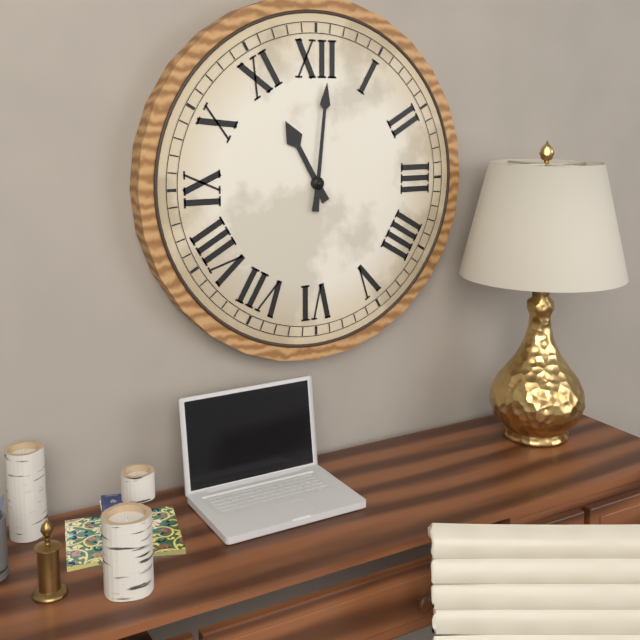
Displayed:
11.01
